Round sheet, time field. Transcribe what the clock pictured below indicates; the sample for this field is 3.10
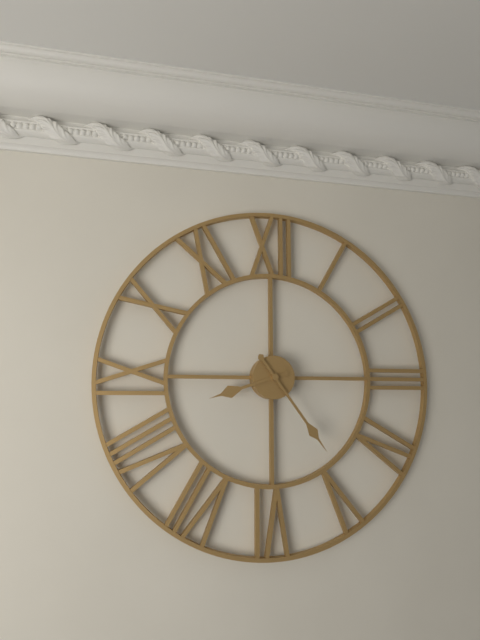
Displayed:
8.24
